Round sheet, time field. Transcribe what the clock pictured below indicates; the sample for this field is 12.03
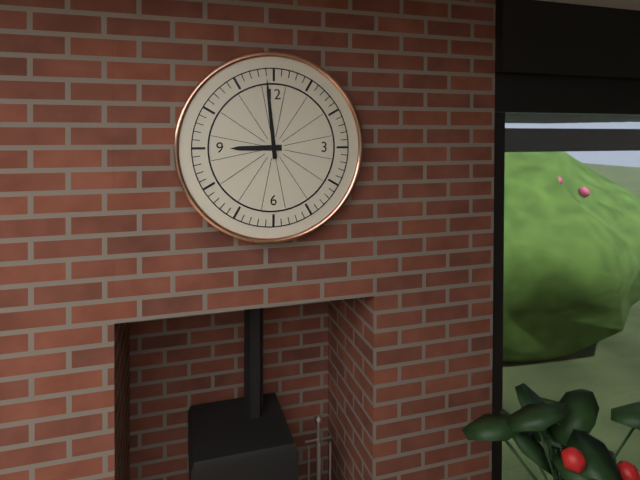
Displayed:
8.59
